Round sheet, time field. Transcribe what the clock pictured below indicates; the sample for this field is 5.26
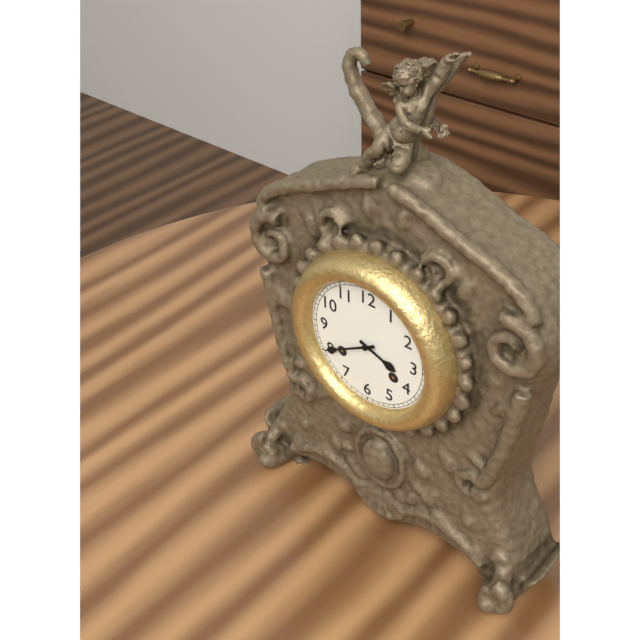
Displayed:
3.40
